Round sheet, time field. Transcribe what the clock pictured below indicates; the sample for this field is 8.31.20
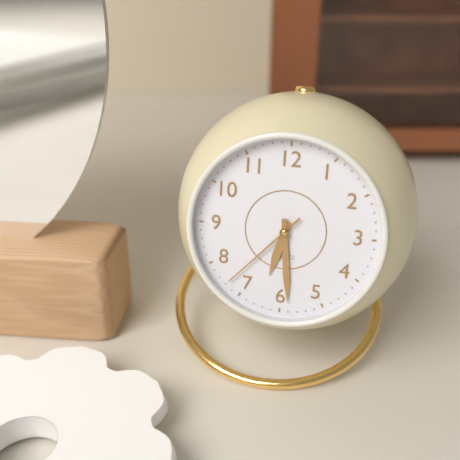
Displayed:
6.29.37
